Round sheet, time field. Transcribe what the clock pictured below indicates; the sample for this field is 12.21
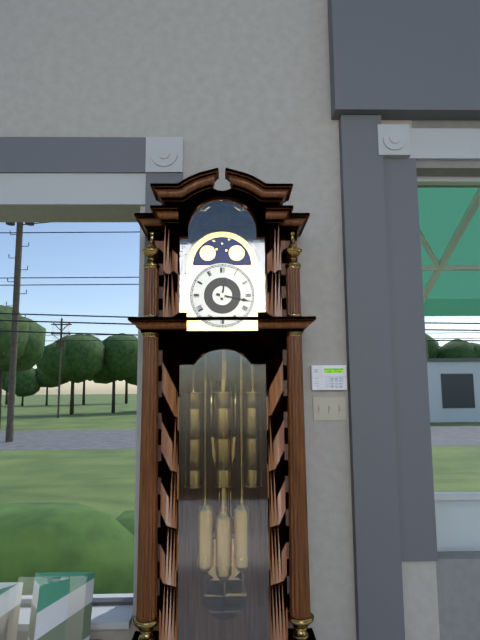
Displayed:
12.17
